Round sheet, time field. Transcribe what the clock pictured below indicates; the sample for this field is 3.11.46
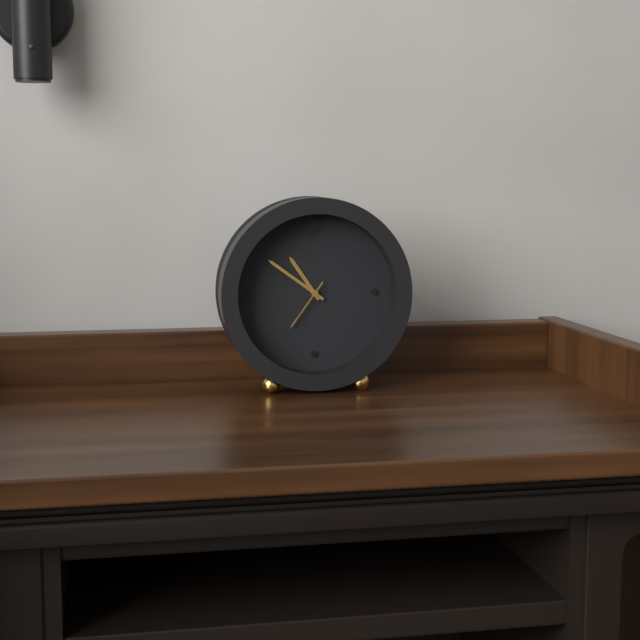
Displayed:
10.51.36
